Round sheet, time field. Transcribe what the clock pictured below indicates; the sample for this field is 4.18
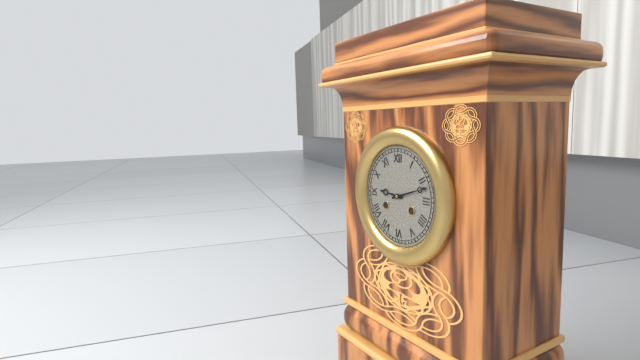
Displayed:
9.12
